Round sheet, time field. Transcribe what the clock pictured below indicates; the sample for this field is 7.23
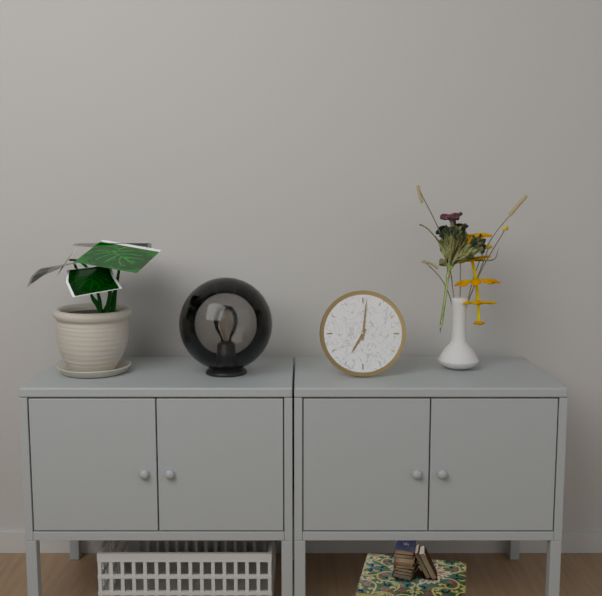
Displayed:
7.01
